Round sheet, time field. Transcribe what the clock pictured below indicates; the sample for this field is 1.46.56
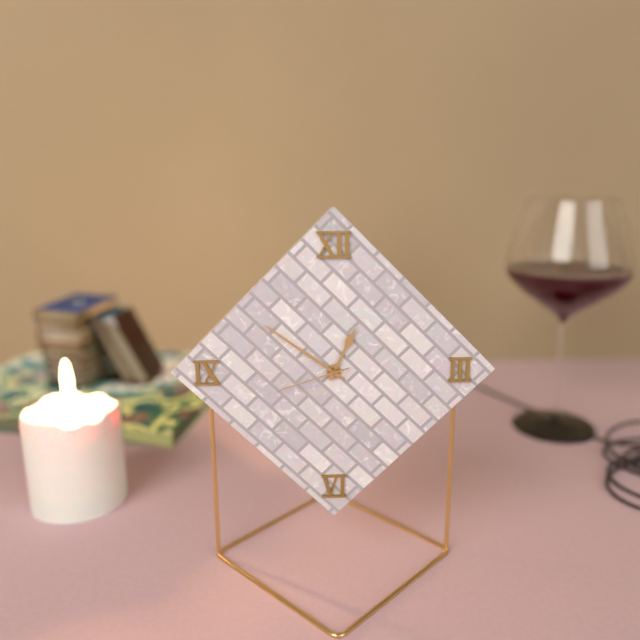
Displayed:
12.51.42
